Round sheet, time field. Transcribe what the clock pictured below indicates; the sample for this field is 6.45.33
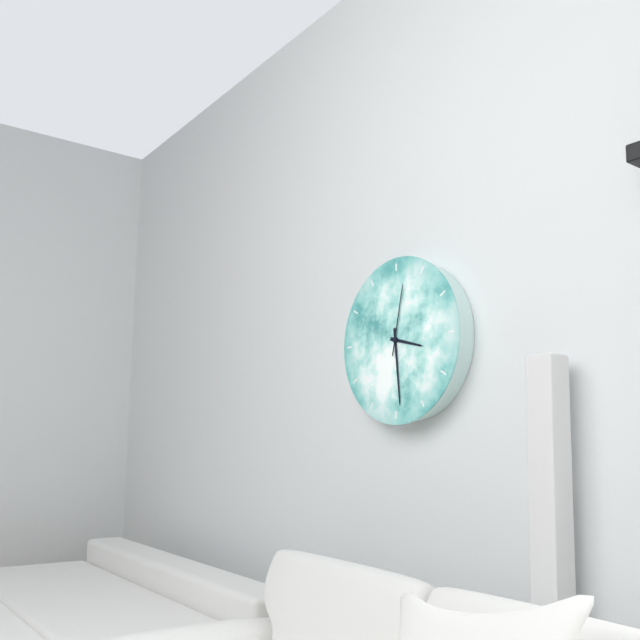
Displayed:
3.29.02
